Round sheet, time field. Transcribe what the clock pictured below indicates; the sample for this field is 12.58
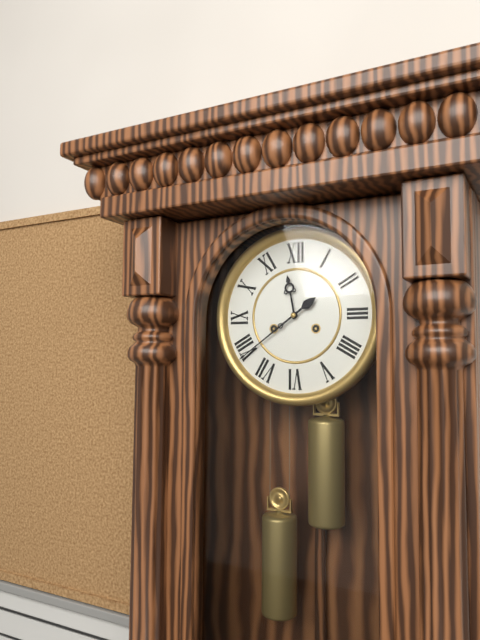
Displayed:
11.39
